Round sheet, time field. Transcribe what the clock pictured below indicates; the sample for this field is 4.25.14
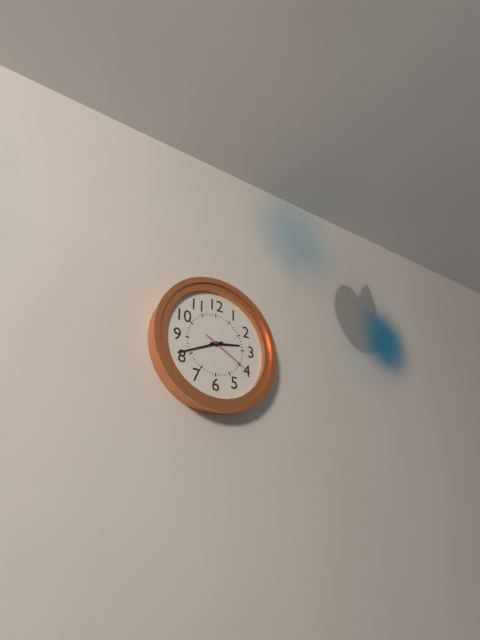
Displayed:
2.41.20
